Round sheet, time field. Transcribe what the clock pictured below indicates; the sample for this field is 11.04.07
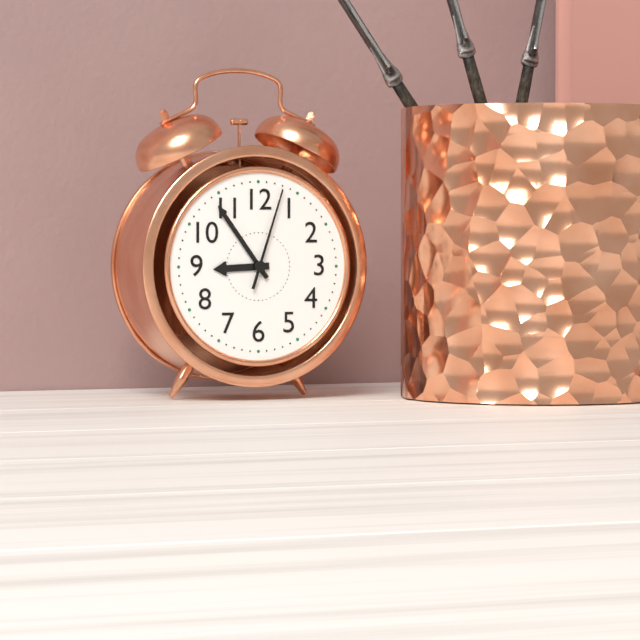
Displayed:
8.54.03
